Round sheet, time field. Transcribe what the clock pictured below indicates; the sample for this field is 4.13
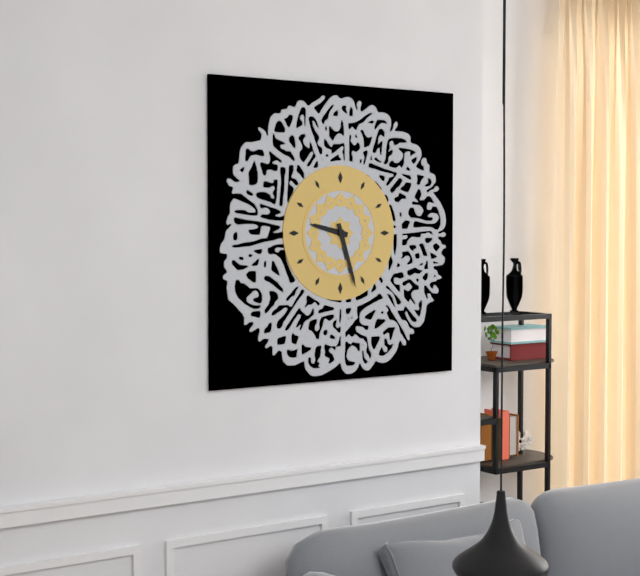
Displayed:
9.27
